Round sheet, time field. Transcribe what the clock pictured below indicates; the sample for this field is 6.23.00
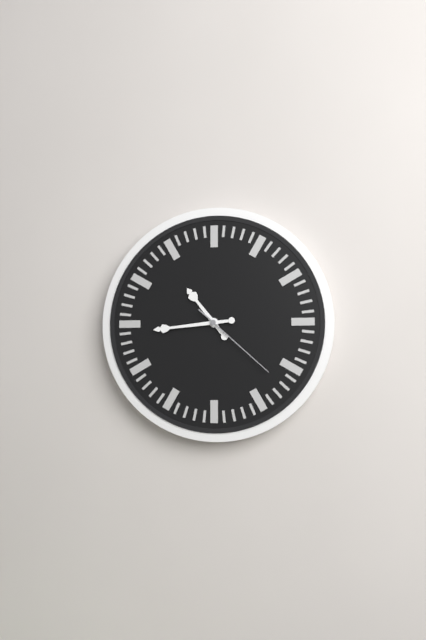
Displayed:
10.44.22
